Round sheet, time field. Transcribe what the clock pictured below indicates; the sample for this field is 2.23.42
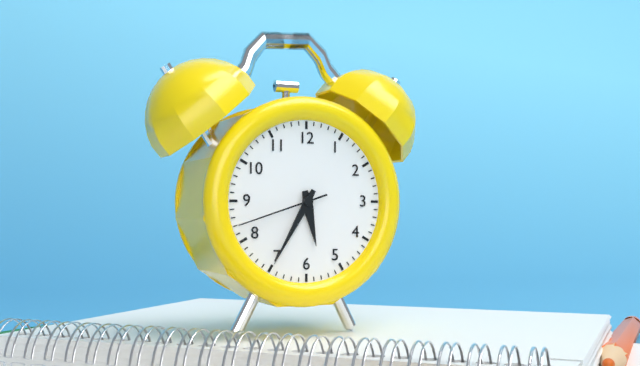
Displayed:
5.35.42
